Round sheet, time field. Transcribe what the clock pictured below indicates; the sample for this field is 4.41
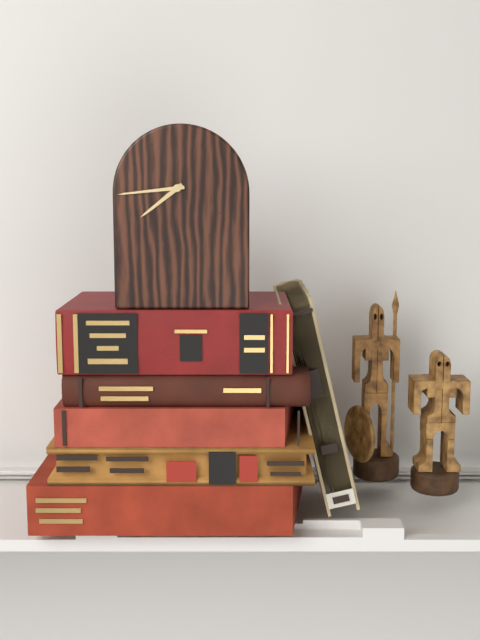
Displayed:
7.44
